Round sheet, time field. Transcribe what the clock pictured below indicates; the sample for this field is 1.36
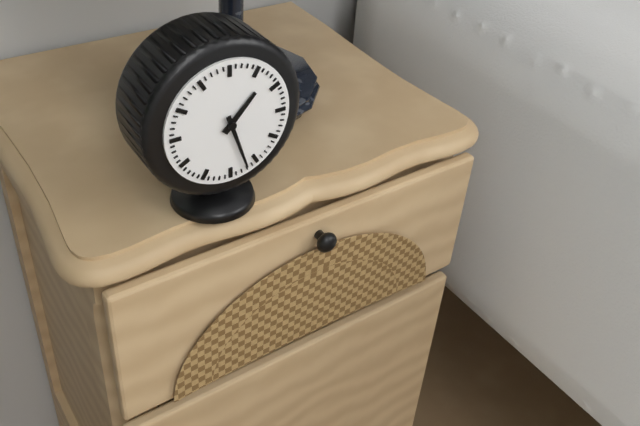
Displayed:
1.27
